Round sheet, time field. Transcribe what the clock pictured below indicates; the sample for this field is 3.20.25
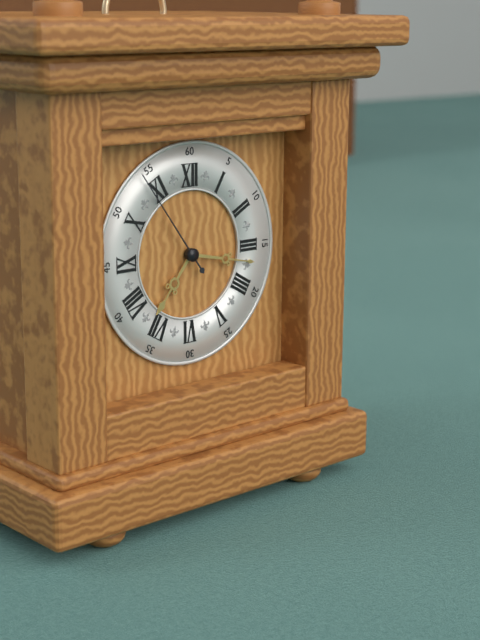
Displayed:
7.17.54
